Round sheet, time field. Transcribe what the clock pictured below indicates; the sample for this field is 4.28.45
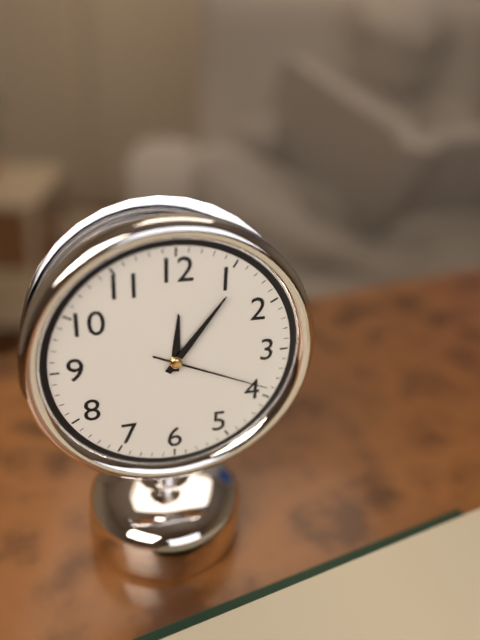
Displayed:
12.06.19
